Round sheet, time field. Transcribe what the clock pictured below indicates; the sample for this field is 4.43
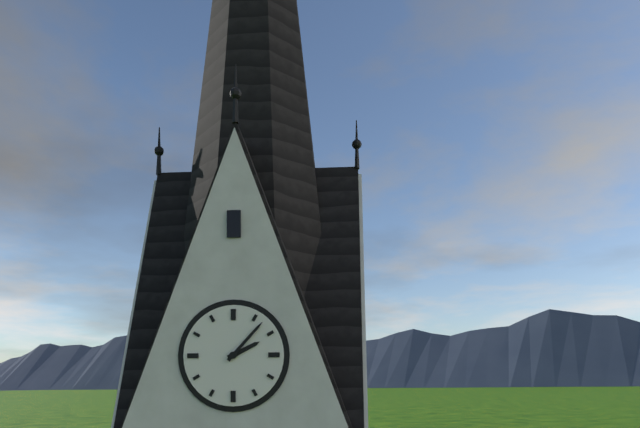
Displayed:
2.07
